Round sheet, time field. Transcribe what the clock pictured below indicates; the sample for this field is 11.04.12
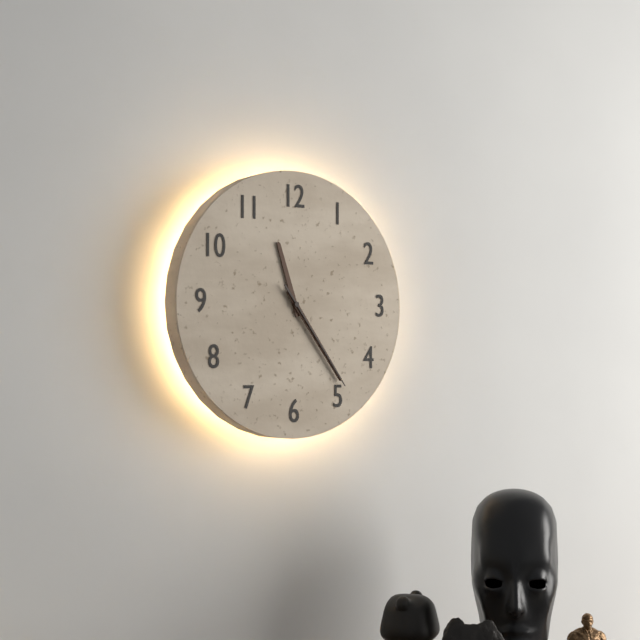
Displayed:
11.24.24
